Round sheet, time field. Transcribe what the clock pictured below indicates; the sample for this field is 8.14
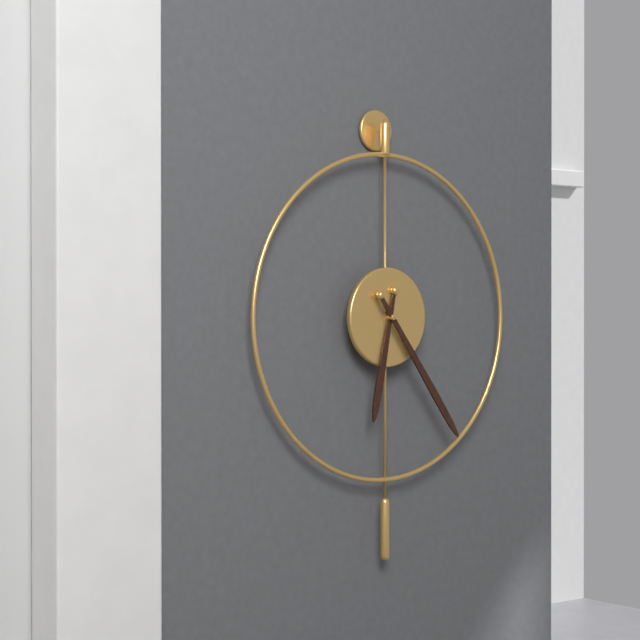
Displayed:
6.24
